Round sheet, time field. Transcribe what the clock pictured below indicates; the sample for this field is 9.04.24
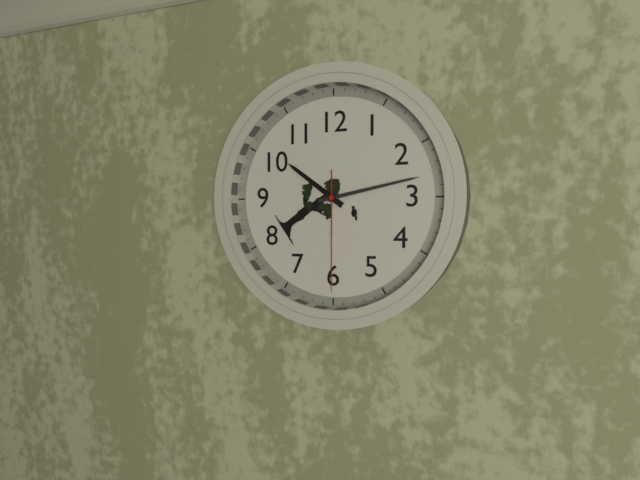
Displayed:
10.13.30
